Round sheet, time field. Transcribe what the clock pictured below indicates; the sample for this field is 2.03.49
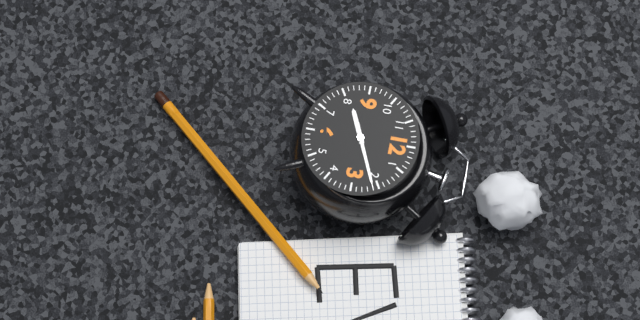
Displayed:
8.11.11
